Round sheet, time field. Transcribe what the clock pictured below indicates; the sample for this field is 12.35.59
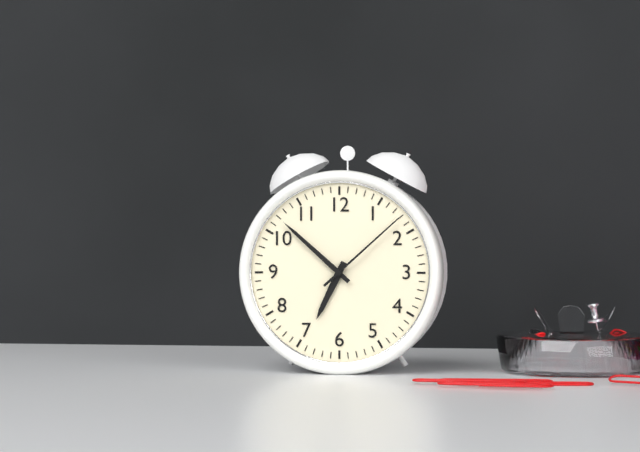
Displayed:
6.52.08
